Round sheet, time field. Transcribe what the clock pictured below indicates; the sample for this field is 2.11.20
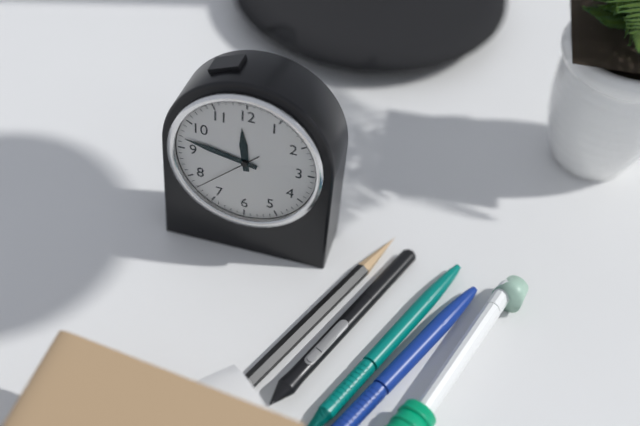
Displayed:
11.47.38
